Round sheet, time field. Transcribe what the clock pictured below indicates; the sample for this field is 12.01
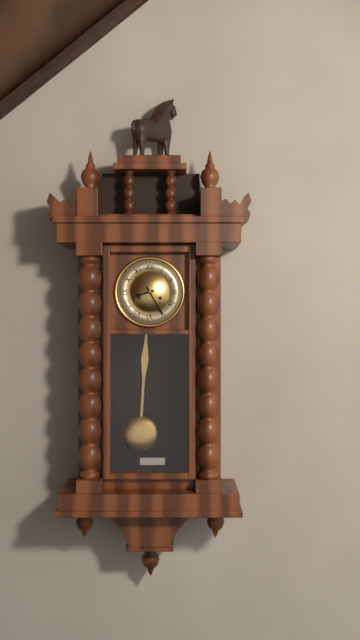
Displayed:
8.25
